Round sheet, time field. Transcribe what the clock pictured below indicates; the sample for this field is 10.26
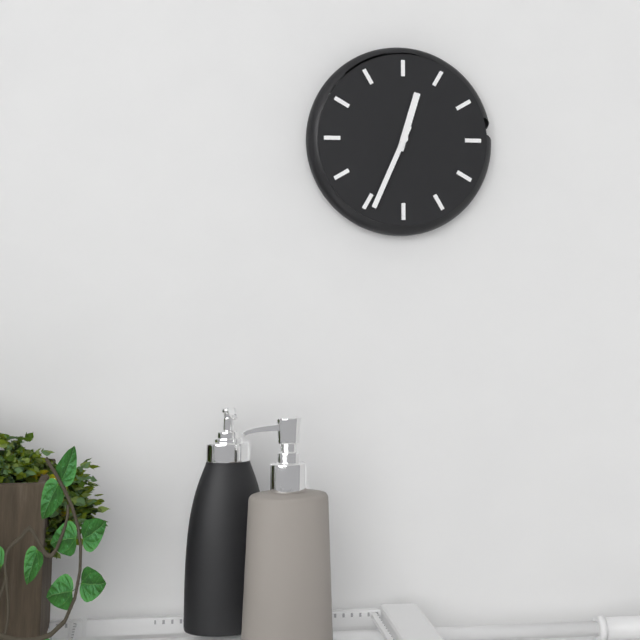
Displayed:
12.34
